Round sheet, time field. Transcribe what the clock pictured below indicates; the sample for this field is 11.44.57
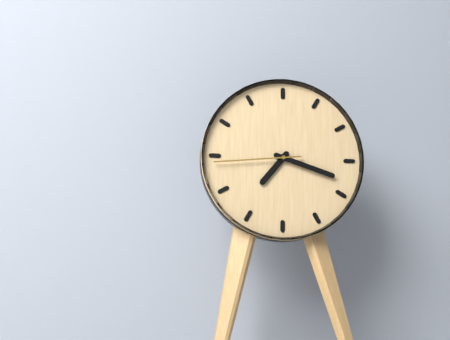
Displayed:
7.18.44
